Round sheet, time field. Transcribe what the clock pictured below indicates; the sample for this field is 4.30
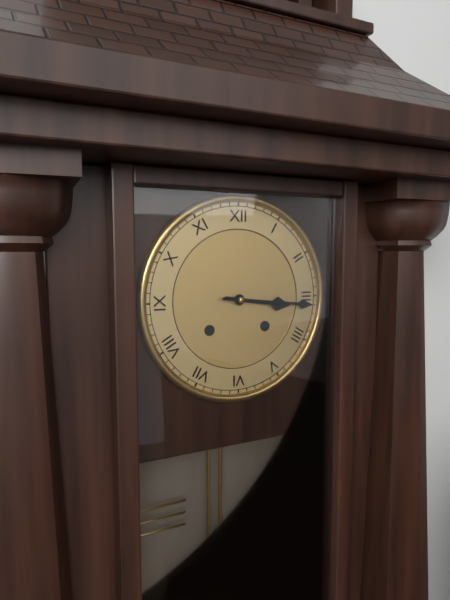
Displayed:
3.16
